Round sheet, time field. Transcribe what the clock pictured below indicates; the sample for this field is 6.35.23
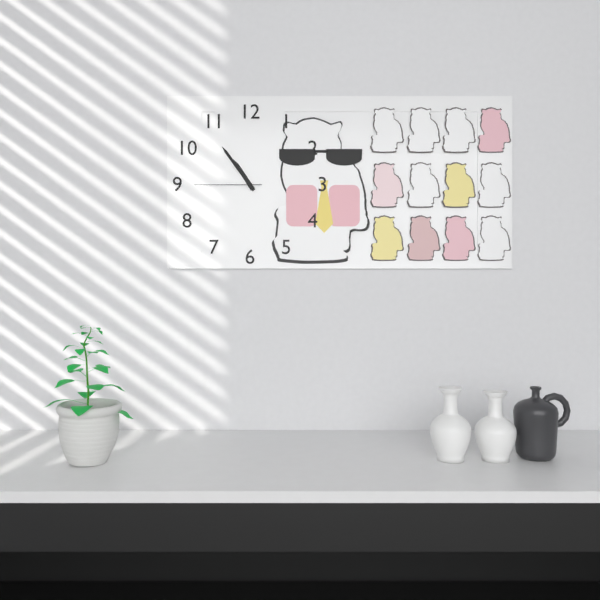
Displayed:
10.54.45
